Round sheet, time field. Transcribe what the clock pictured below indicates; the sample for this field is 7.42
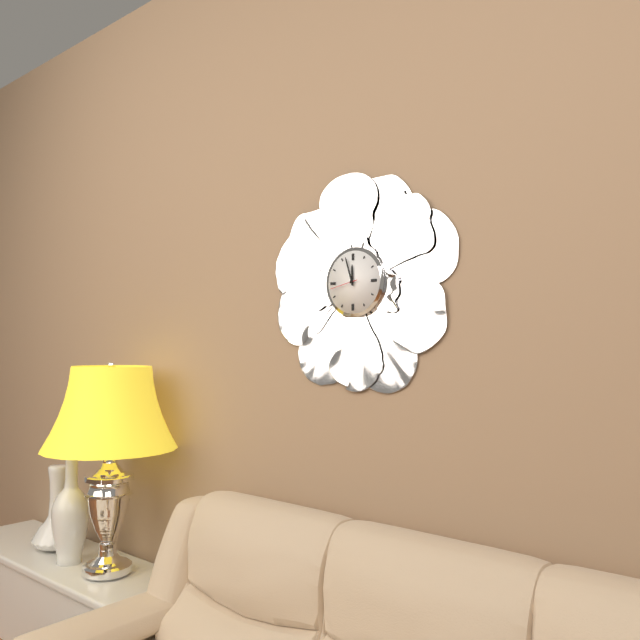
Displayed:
11.57
